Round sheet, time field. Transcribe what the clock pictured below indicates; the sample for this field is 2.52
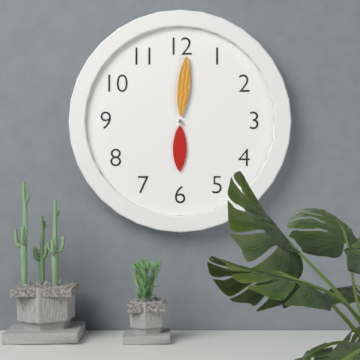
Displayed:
6.01
